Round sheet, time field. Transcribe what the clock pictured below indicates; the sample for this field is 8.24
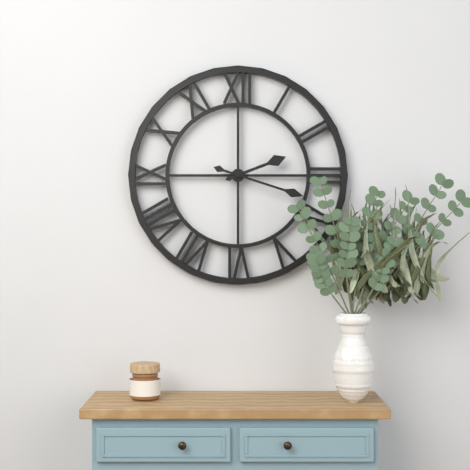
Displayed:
2.18
